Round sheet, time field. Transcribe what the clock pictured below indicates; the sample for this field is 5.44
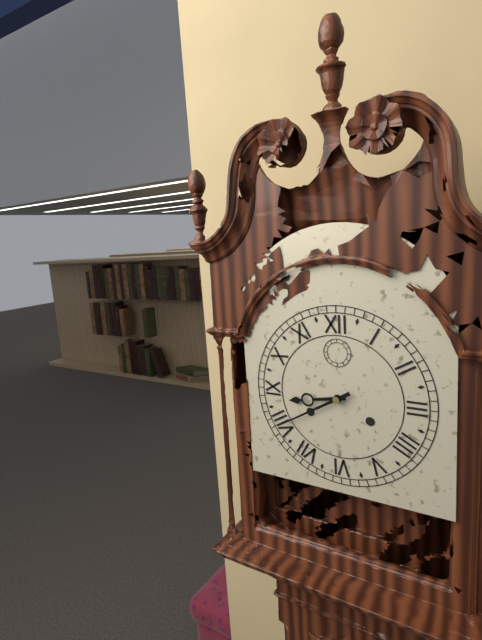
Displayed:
8.40
